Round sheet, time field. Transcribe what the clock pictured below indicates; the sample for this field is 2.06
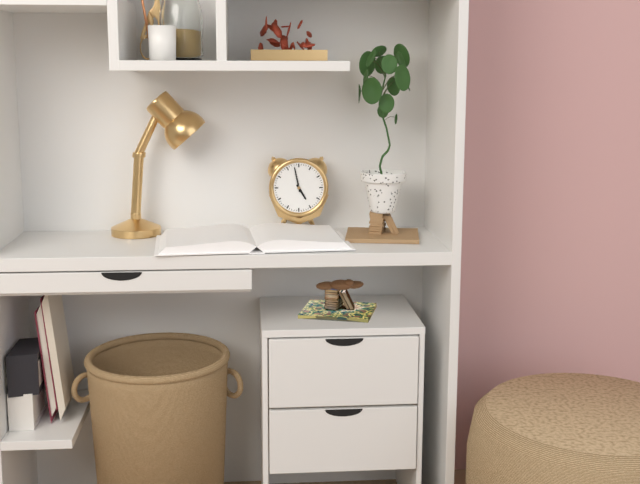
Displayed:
4.58
